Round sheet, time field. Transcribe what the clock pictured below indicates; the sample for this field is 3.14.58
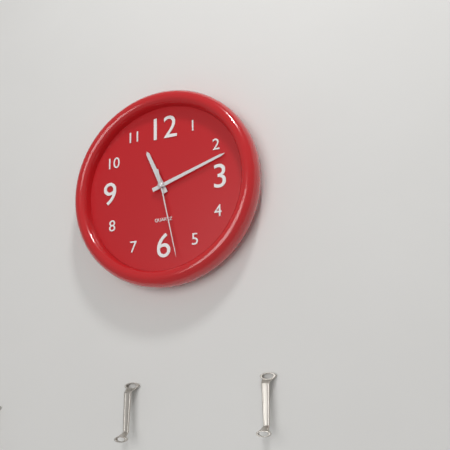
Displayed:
11.12.28
